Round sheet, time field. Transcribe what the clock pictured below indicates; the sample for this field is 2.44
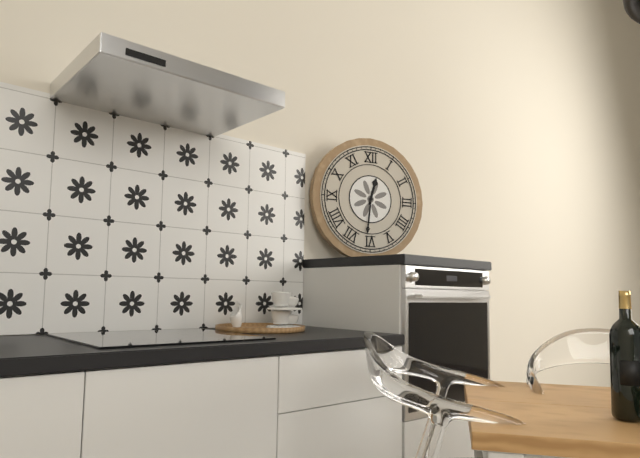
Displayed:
12.31
